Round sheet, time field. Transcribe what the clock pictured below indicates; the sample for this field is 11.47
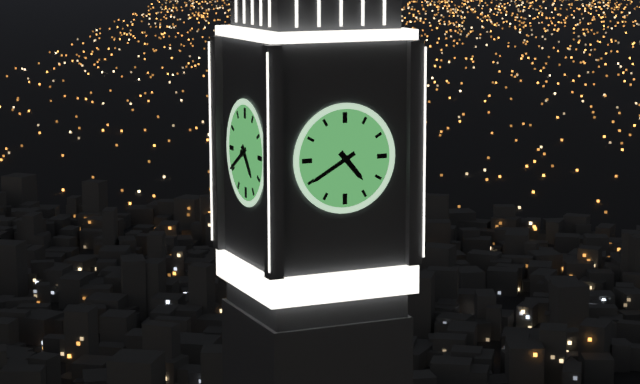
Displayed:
4.40
